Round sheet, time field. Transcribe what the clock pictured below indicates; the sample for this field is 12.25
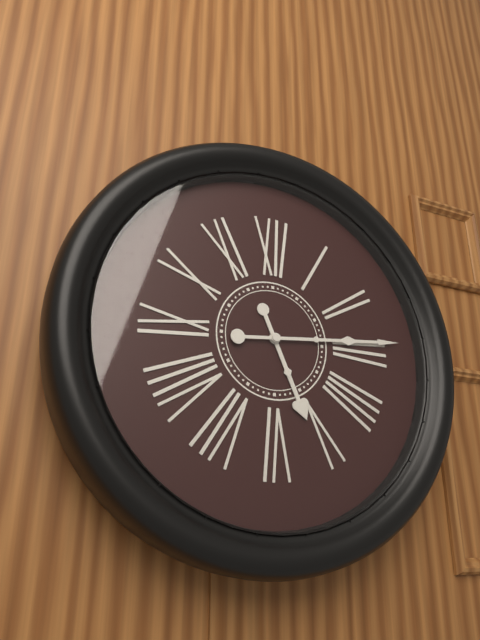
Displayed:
5.14
